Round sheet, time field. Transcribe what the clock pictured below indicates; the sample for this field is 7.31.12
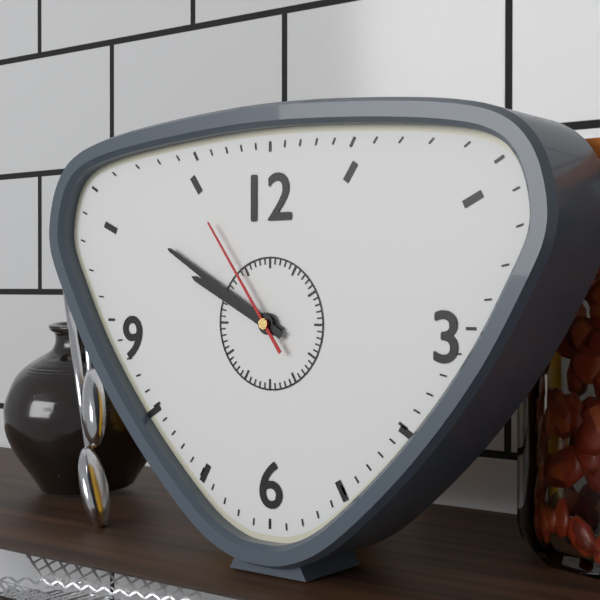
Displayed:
9.50.54
